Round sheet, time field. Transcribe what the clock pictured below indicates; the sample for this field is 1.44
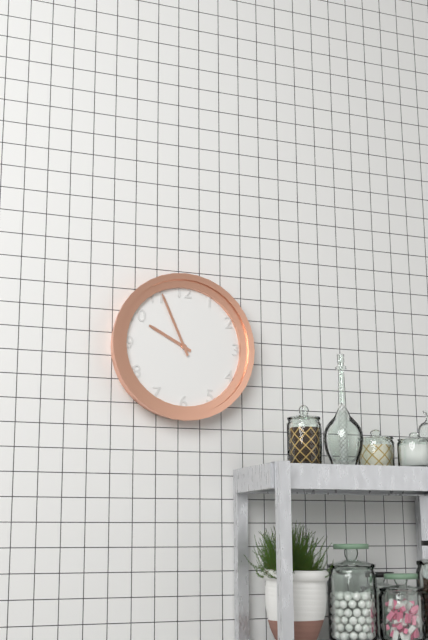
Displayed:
9.56
